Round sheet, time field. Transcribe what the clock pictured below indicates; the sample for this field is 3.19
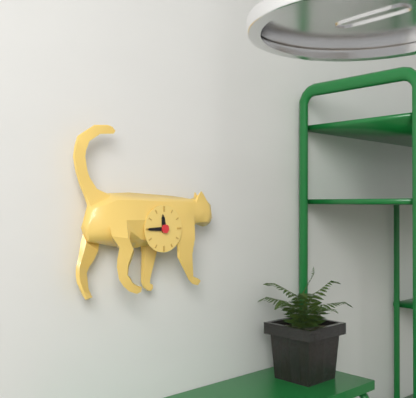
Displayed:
11.45
